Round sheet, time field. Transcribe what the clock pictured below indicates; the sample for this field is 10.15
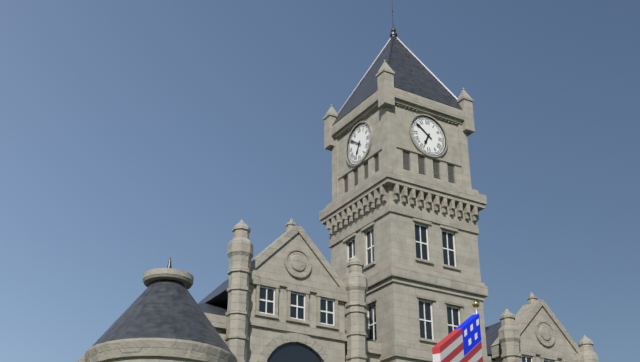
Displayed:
6.51
